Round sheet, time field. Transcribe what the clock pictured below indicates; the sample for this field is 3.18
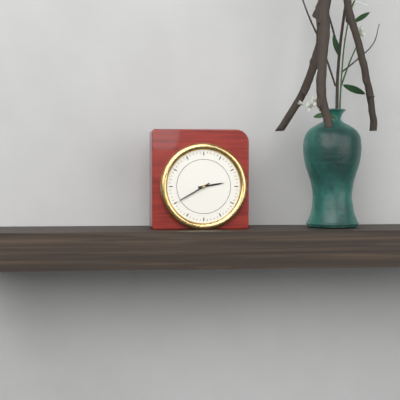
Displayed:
2.40
